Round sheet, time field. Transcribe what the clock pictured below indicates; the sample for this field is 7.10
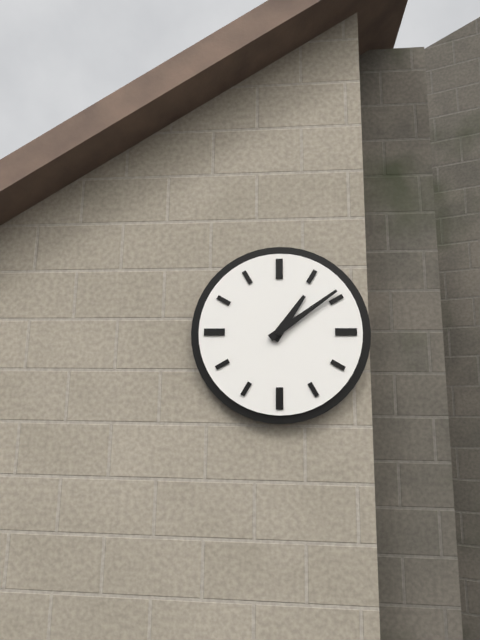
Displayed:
1.09
